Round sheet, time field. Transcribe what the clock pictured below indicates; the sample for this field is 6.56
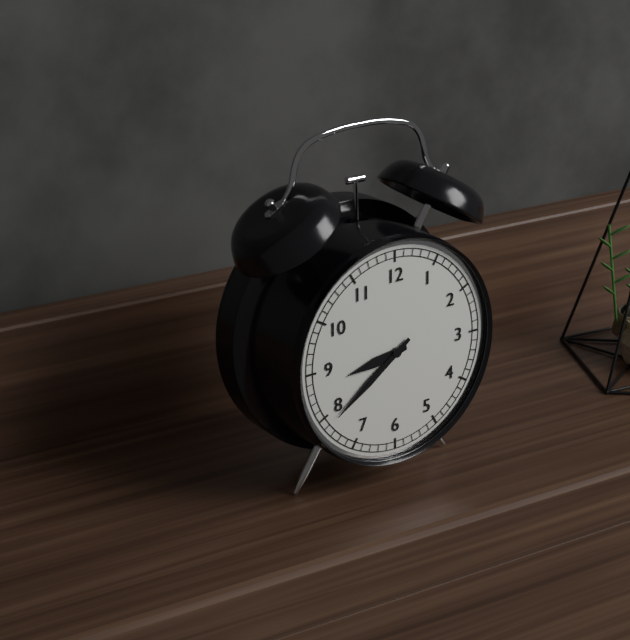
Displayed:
8.39
